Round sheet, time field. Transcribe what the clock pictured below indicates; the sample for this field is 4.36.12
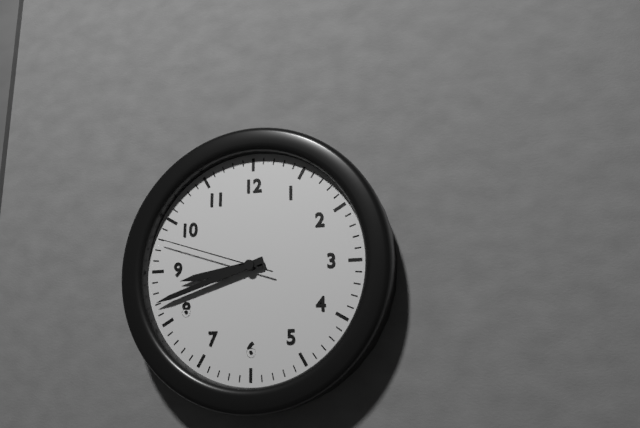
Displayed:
8.42.48
